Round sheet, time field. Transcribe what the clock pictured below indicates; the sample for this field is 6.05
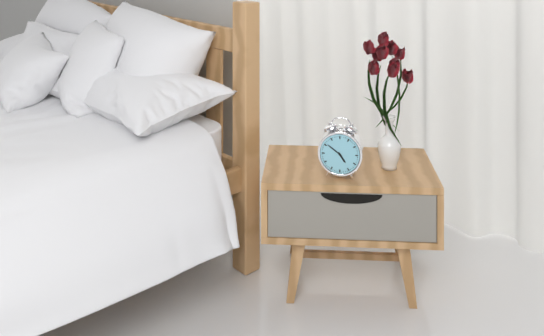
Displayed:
4.51
